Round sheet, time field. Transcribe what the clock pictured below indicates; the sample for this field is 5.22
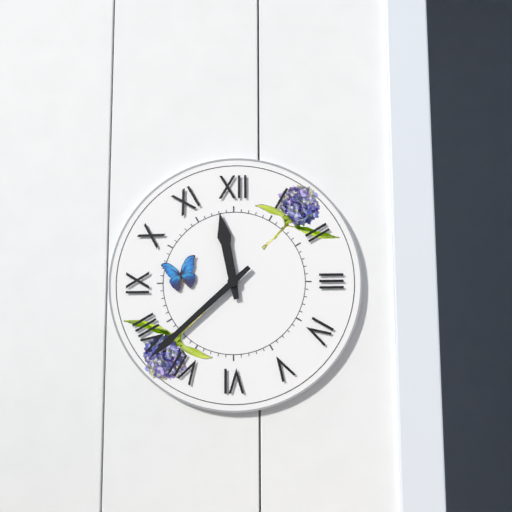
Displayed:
11.38
